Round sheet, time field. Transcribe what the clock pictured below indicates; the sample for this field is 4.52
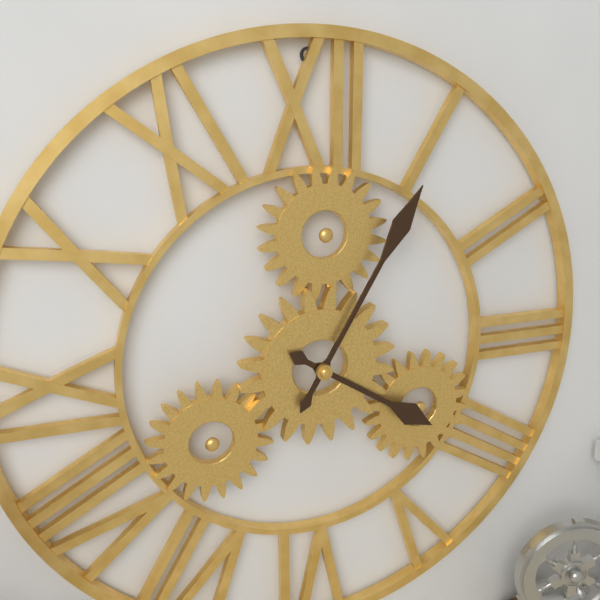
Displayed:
4.05
